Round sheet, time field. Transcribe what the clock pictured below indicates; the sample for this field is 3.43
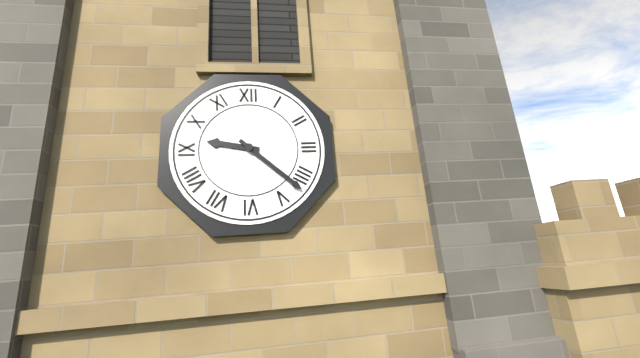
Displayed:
9.22
